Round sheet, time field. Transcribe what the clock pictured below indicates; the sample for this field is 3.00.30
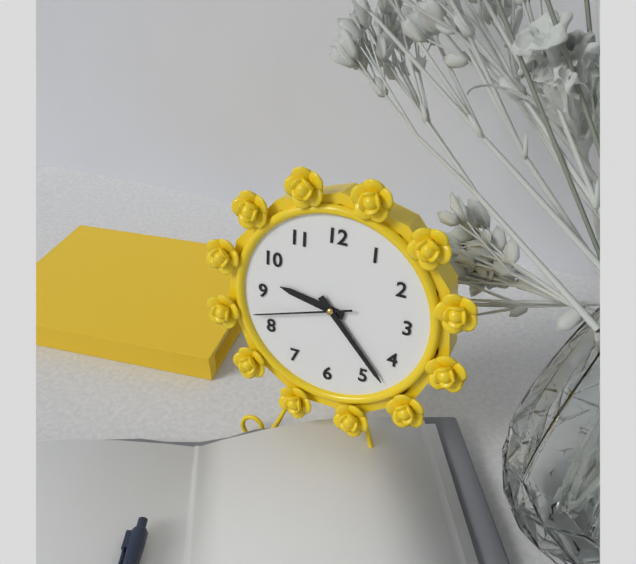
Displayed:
9.23.42
